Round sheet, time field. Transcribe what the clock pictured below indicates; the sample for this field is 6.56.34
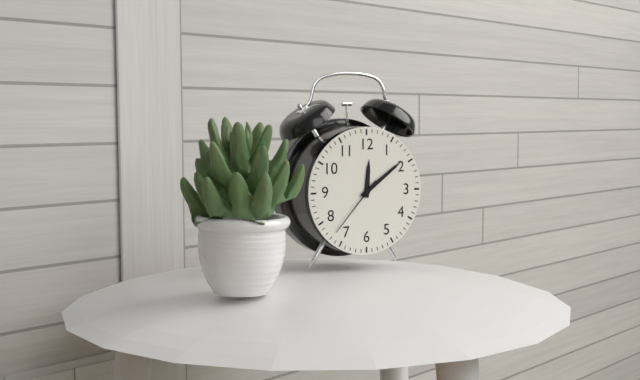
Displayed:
12.09.37
